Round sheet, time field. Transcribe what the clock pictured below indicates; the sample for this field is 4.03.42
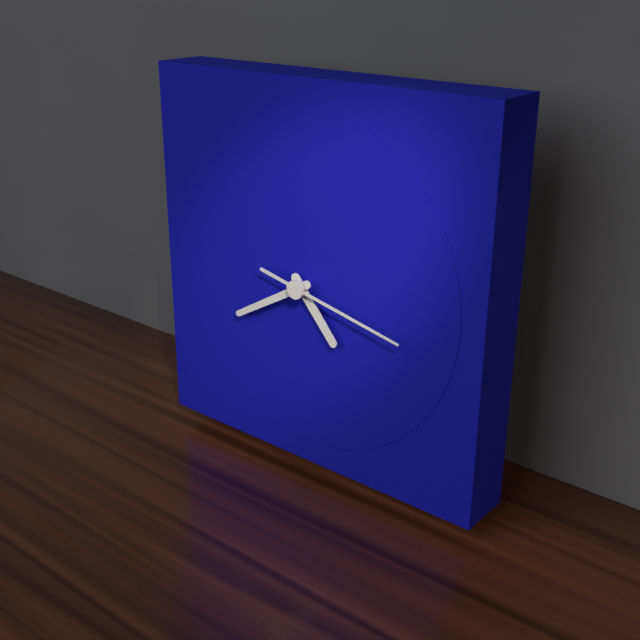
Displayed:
4.40.17
